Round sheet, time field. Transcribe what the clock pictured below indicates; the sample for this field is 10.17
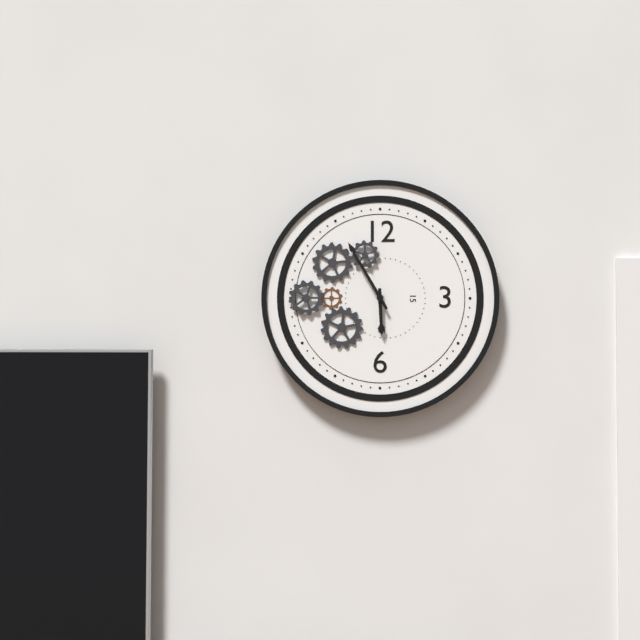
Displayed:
5.55
